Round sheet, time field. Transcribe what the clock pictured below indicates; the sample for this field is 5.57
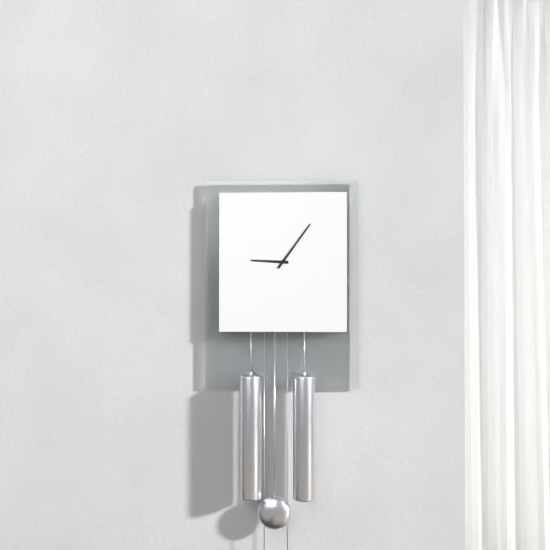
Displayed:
9.06
